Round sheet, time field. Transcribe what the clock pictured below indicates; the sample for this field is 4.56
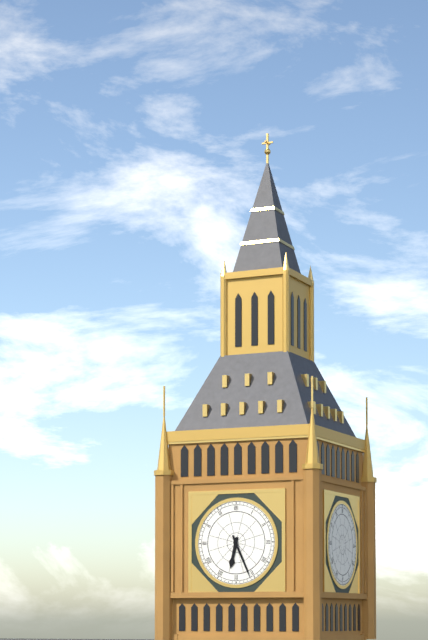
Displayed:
6.26
